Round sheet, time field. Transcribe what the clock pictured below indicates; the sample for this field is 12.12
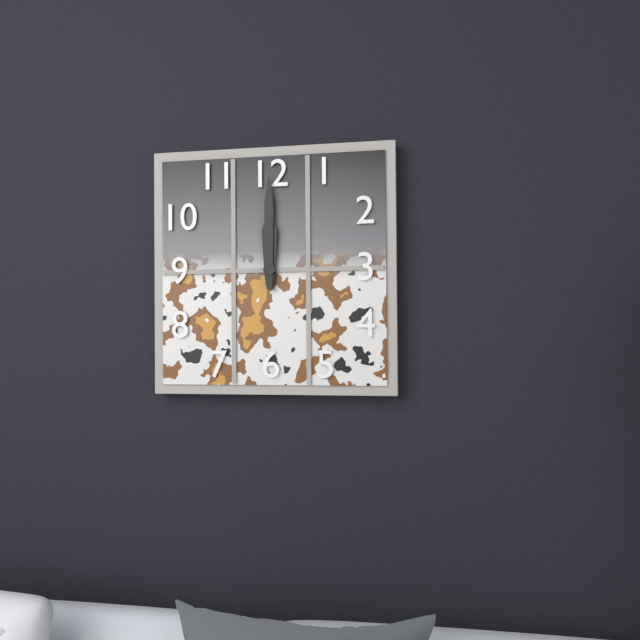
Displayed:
12.00
